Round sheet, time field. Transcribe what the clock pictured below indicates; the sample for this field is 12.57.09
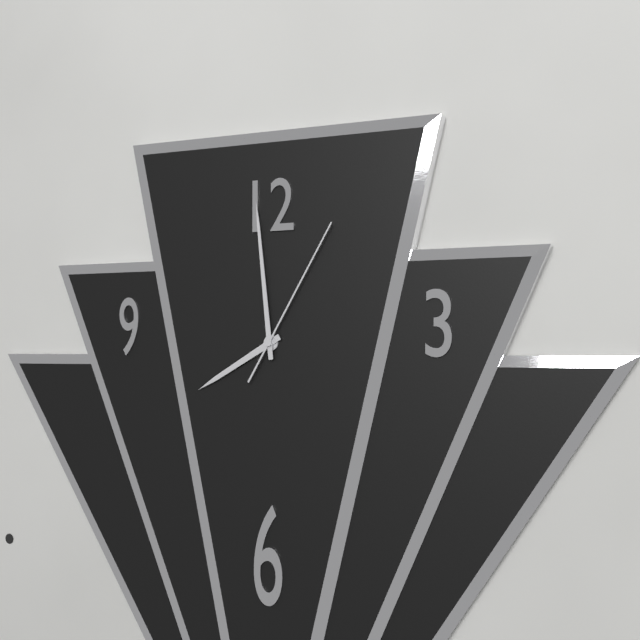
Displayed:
7.59.05
